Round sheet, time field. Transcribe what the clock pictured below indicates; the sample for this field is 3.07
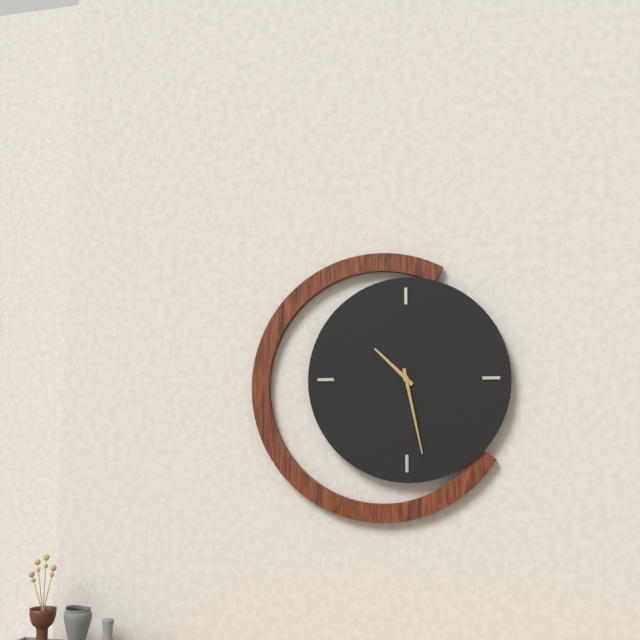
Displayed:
10.28
